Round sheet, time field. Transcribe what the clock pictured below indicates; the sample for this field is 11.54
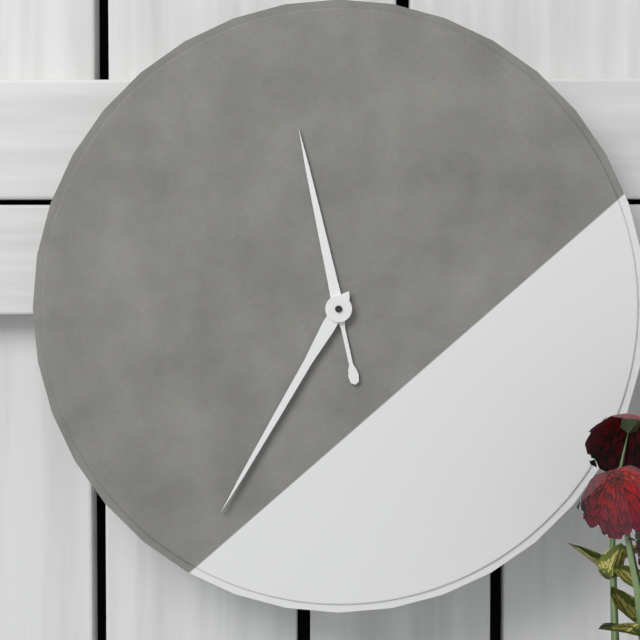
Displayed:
11.35
